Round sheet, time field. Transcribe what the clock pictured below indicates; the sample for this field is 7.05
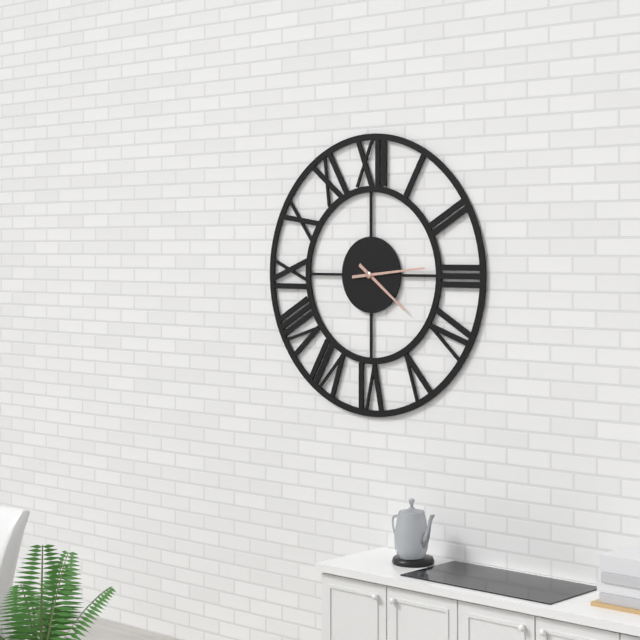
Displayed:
4.14
